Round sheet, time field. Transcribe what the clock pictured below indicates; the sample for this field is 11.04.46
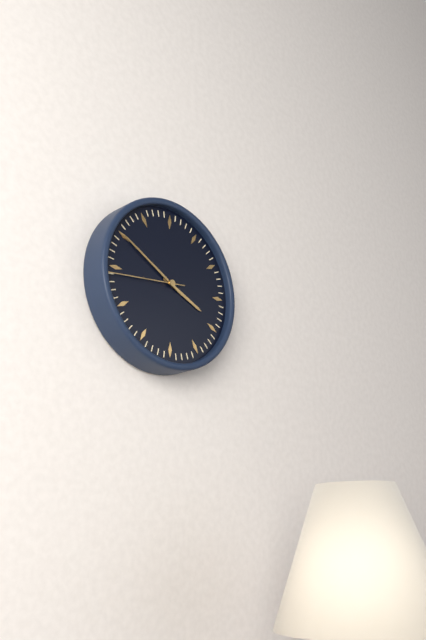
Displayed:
3.50.44
